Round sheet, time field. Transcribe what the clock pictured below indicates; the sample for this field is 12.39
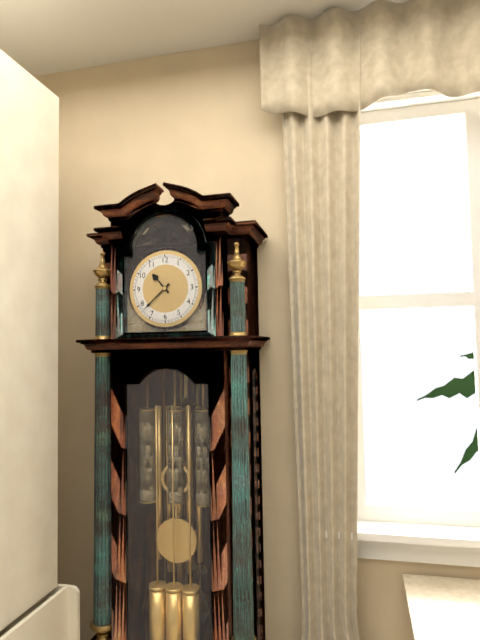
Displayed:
10.38
